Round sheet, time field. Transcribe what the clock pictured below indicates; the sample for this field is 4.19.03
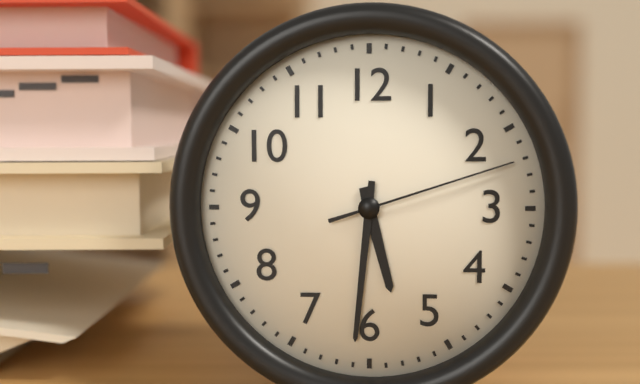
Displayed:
5.31.12
